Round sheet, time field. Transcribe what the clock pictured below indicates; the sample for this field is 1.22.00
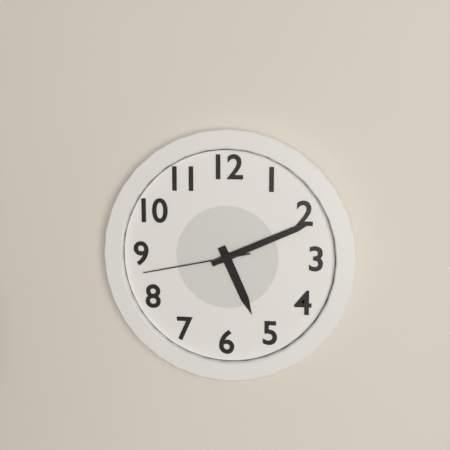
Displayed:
5.11.43
